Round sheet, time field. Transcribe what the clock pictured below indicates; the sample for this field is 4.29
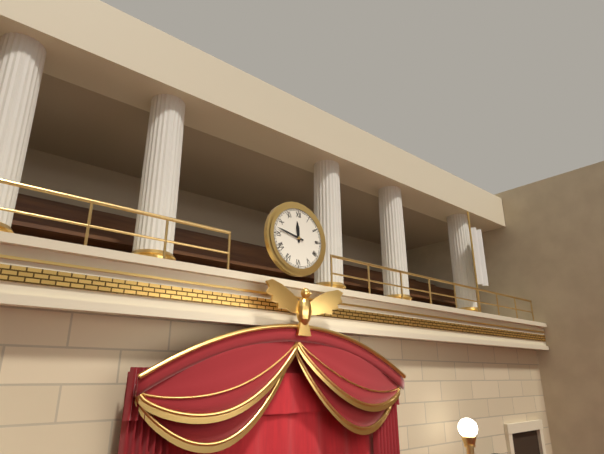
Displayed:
11.47
